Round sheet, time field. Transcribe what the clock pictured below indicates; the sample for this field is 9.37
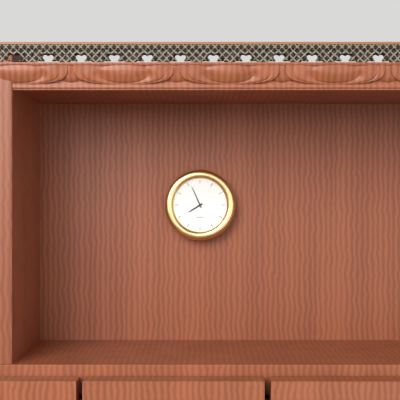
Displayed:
7.56
